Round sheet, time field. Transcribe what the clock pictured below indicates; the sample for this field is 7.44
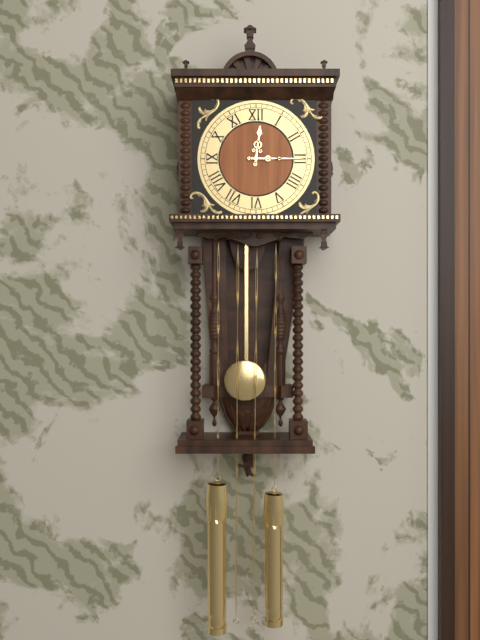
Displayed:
12.15
